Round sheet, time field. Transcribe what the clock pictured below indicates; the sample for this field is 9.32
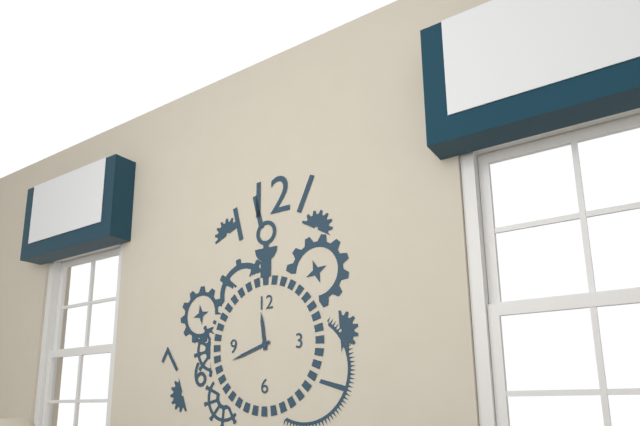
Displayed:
11.42
